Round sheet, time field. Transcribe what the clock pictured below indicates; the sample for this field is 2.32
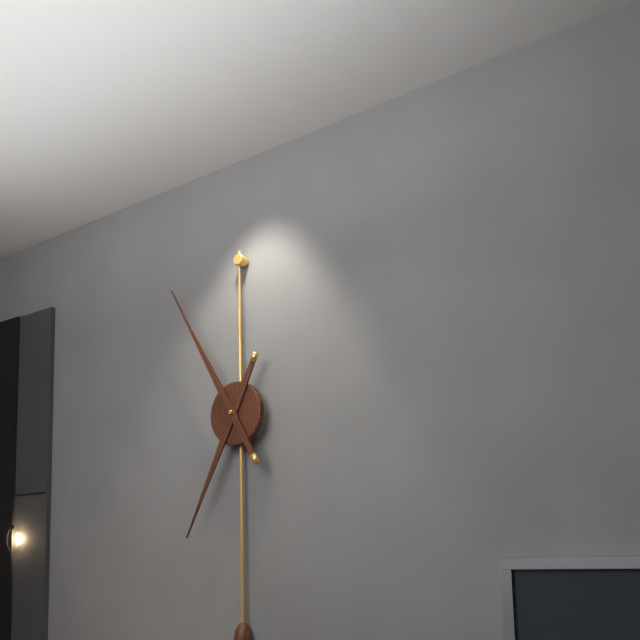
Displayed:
6.55
